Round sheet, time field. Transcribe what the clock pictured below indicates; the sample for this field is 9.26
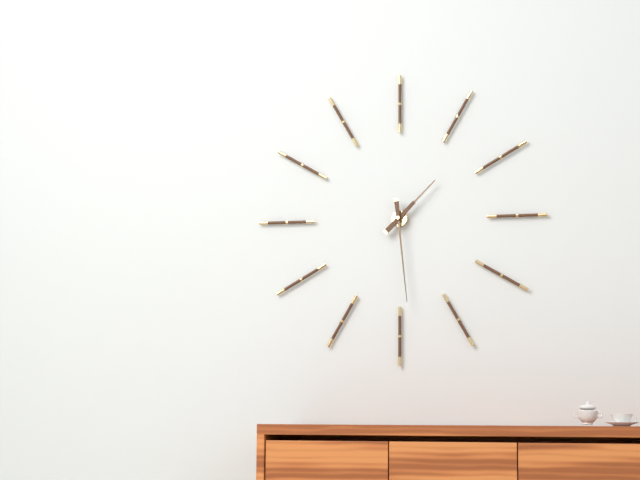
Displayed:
1.29
